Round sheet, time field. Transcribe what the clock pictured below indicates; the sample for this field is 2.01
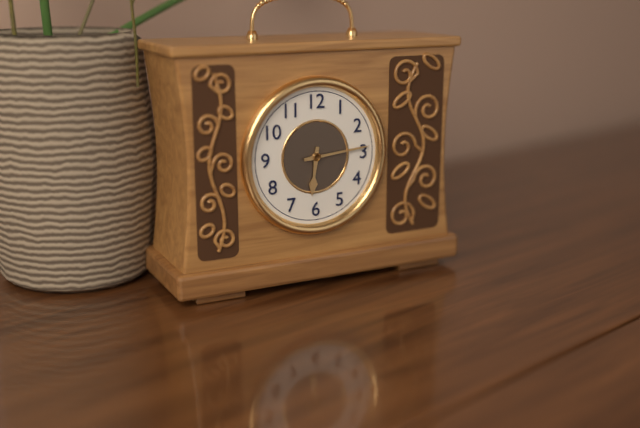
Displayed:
6.14
